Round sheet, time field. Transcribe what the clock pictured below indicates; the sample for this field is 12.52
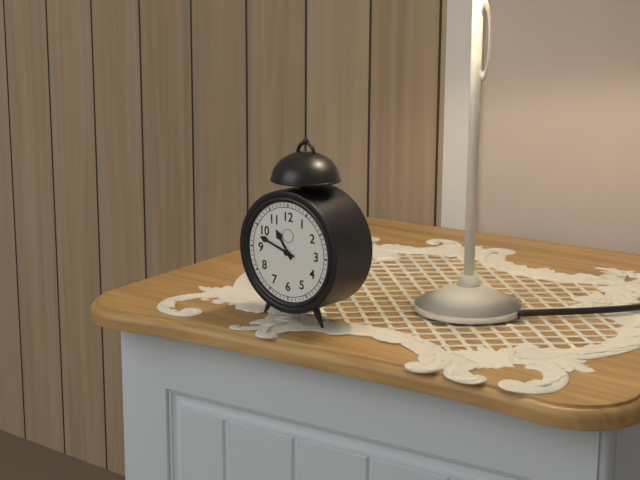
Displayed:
10.48
